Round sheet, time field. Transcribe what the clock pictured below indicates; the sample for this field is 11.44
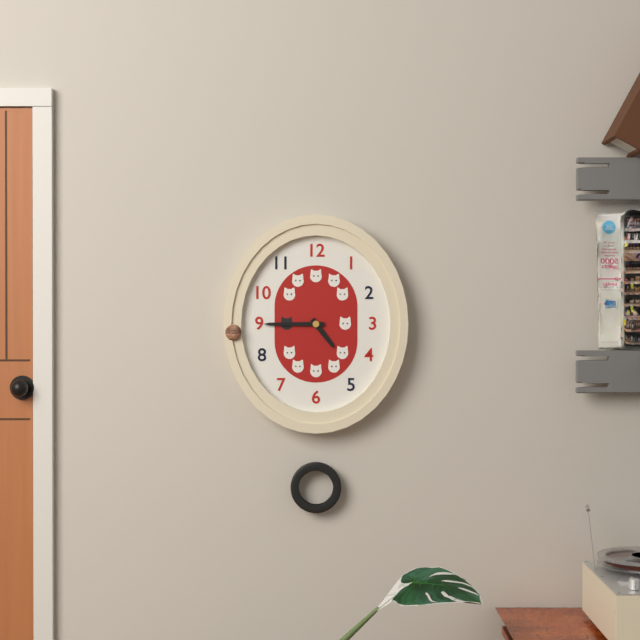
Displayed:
4.45
